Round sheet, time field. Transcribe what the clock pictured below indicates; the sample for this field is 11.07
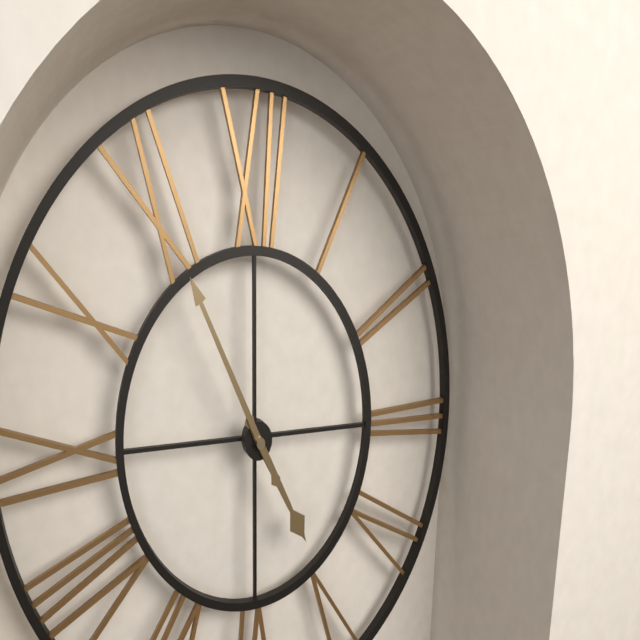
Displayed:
4.55
